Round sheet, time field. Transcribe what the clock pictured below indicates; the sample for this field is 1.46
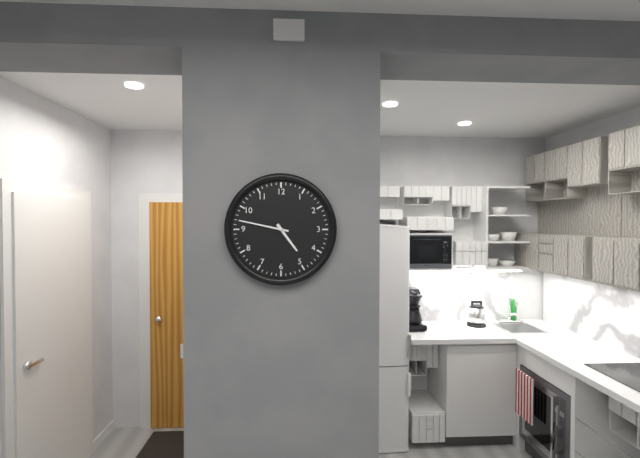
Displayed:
4.47
